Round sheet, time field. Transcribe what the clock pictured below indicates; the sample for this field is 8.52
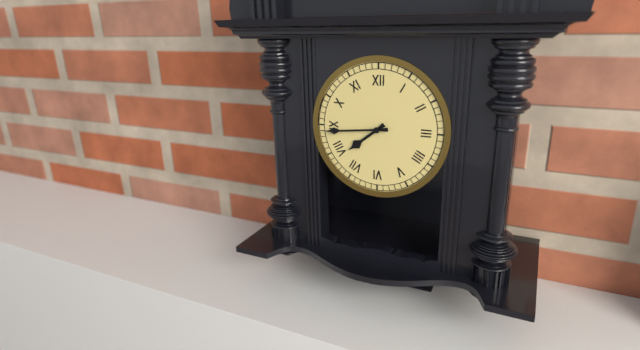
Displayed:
7.44
